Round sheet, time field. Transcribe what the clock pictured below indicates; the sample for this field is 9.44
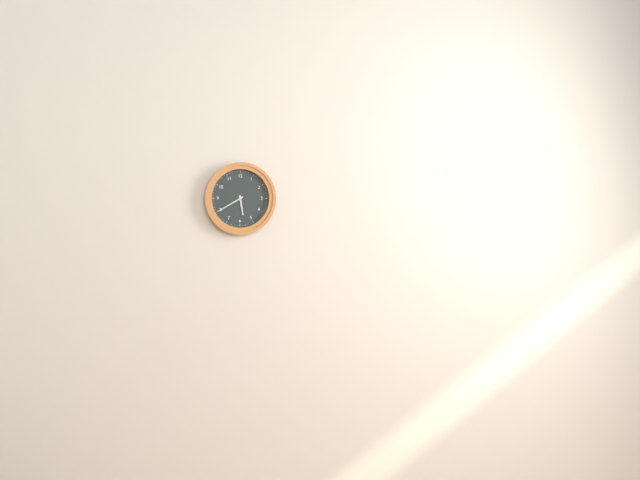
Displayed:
5.40
